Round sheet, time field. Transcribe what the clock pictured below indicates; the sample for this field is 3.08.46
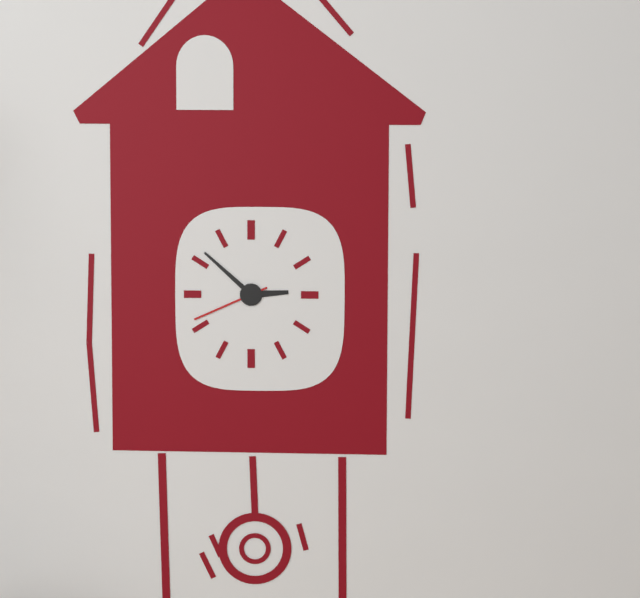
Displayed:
2.52.41
